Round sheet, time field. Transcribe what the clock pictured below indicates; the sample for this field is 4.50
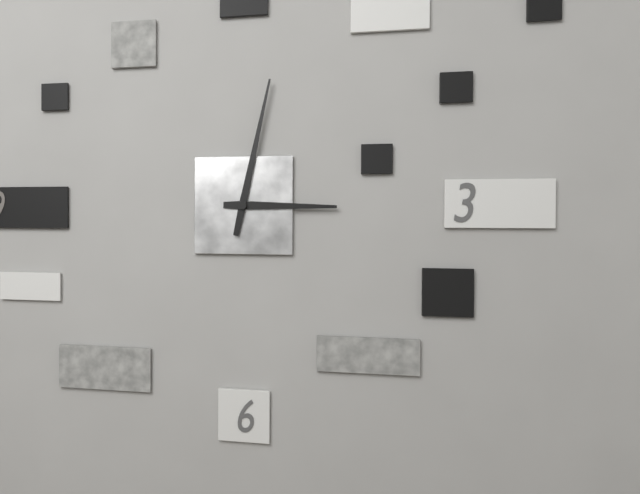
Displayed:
3.02
